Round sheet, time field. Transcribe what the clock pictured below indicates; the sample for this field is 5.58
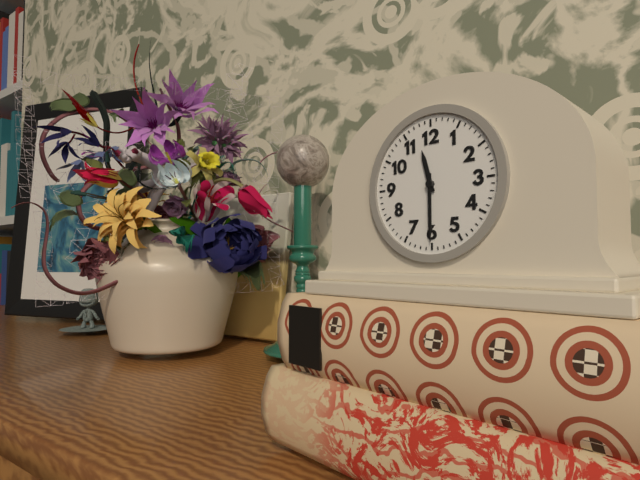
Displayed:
11.30
